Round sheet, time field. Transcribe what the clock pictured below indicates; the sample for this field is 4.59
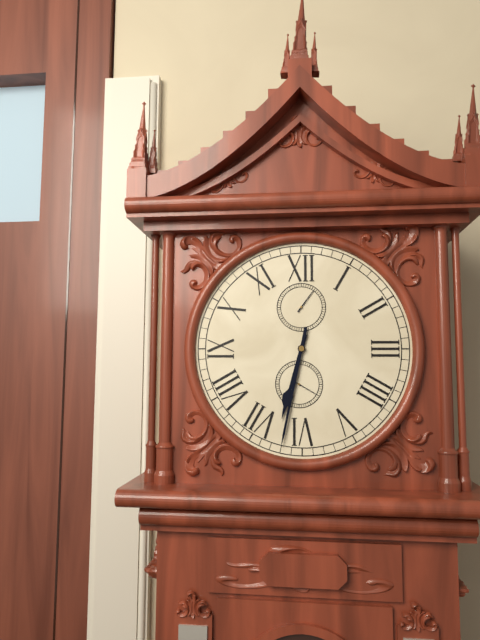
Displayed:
6.32
